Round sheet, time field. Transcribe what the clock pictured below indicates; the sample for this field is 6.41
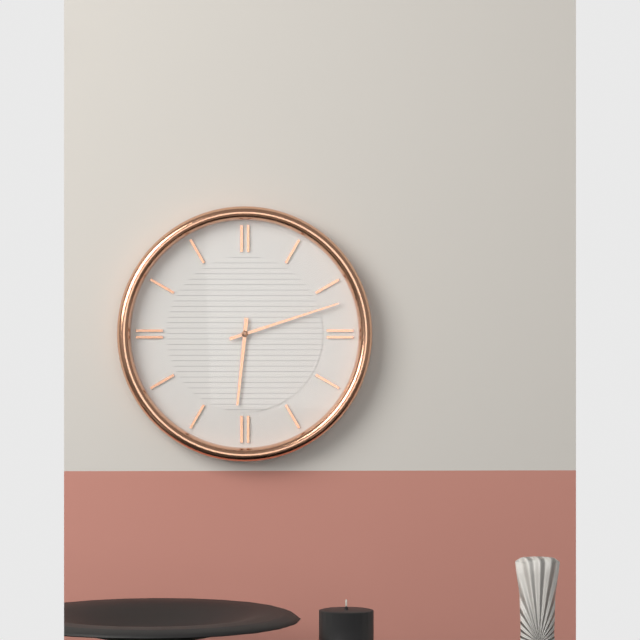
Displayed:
6.12
